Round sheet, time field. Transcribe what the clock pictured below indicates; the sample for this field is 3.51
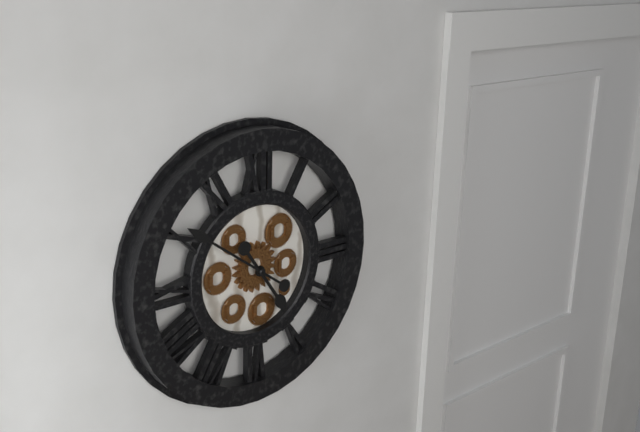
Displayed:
4.51
